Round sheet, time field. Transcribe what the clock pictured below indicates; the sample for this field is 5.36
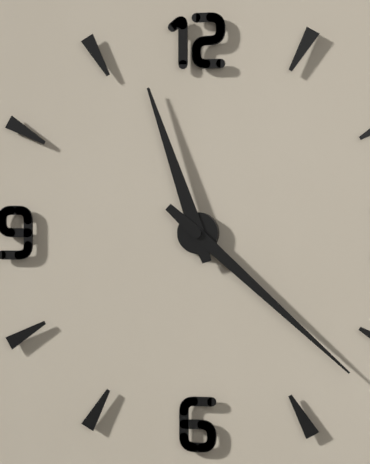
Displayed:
11.22
